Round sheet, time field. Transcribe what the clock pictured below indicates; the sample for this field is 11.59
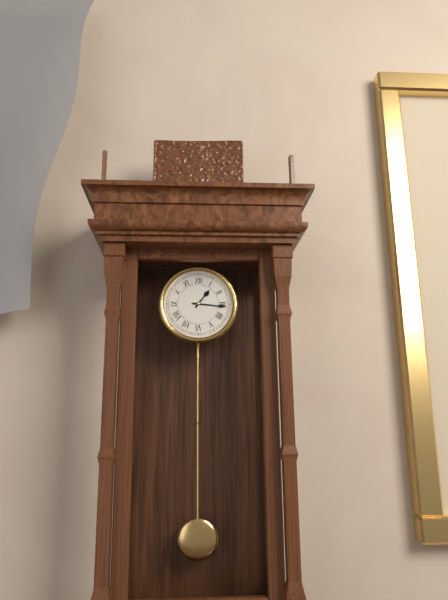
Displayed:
1.16
